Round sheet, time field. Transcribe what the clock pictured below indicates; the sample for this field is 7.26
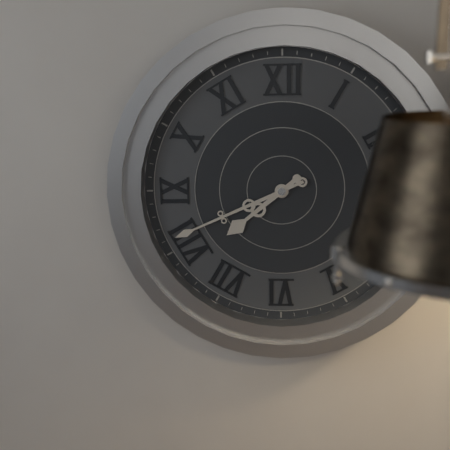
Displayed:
7.41
